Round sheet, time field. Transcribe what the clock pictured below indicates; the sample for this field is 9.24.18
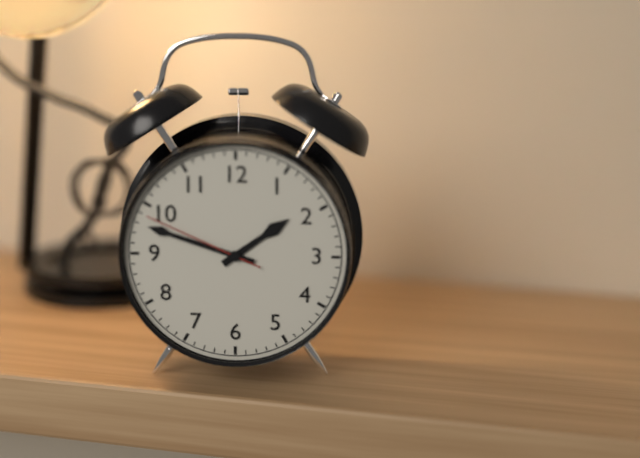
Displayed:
1.48.49
